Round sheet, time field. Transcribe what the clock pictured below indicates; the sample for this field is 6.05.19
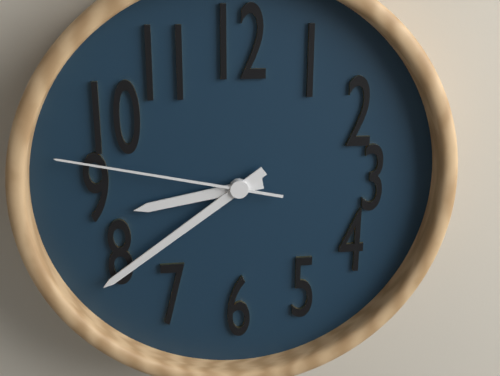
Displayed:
8.39.47
